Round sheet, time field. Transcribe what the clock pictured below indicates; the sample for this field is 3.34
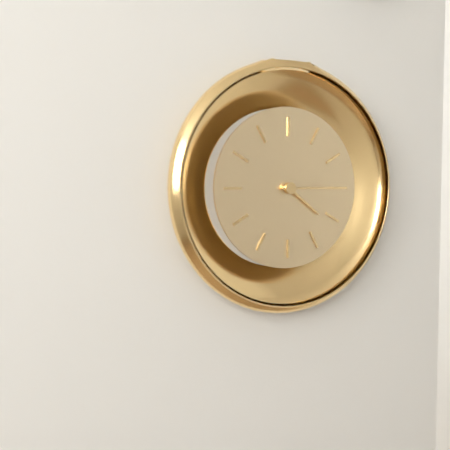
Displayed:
4.15
